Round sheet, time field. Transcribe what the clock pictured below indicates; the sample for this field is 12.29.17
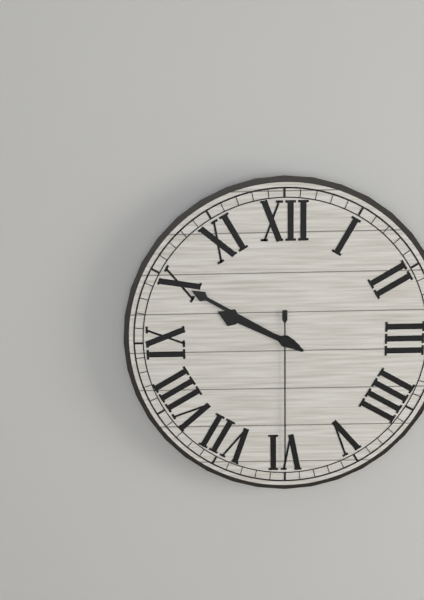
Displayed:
9.50.30
